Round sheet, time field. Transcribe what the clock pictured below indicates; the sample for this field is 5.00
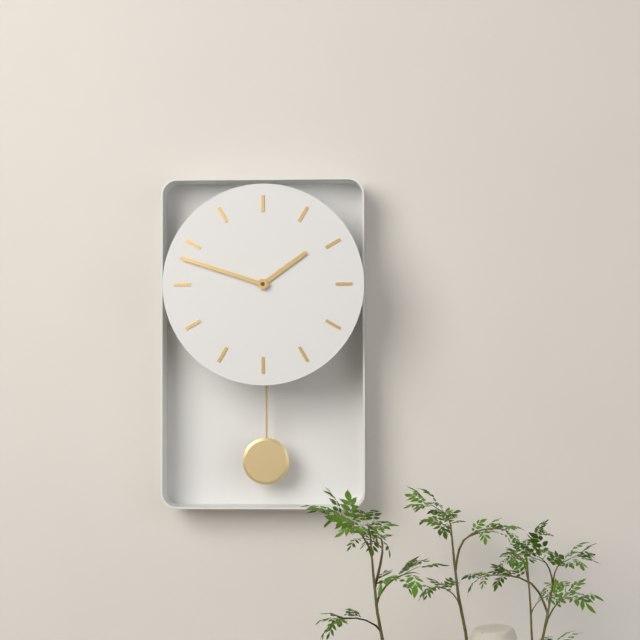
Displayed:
1.48
